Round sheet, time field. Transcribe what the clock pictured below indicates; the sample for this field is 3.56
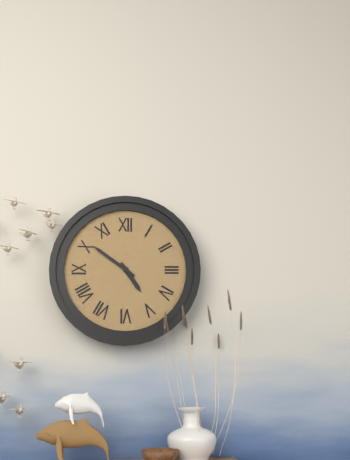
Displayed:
4.51
